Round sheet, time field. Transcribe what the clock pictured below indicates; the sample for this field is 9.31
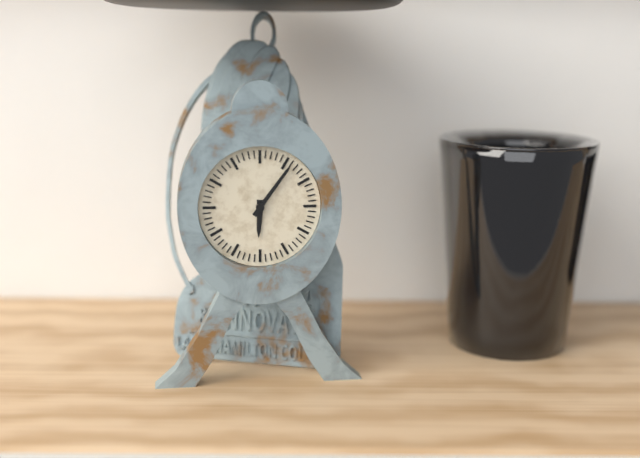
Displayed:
6.06
